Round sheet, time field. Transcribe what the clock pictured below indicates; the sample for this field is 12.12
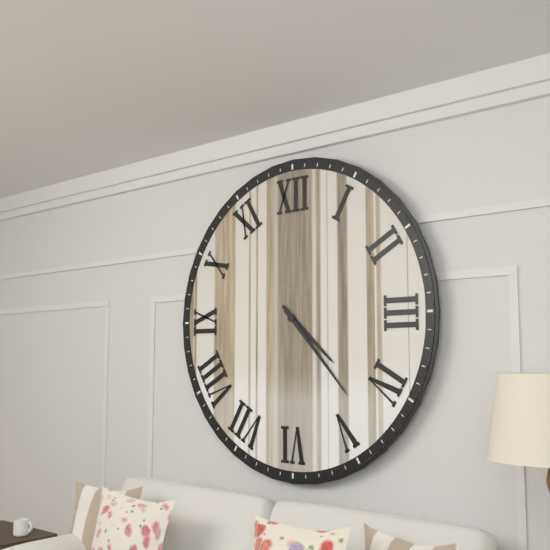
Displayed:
4.23
